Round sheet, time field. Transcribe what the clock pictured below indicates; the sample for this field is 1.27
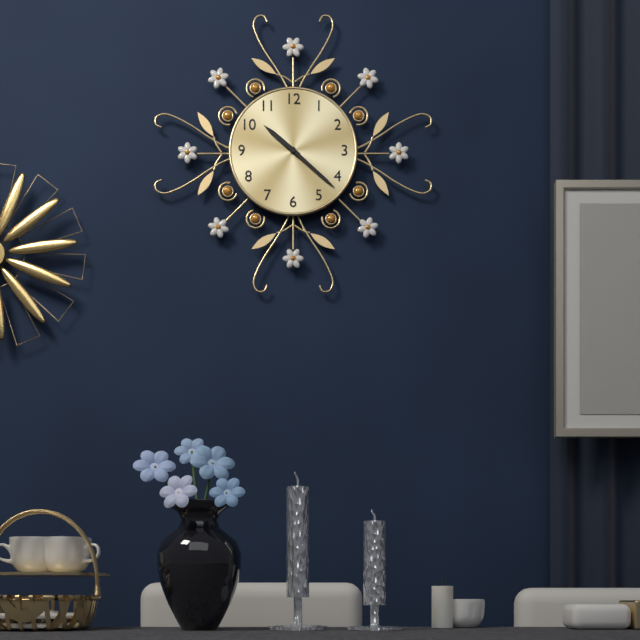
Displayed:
10.22
